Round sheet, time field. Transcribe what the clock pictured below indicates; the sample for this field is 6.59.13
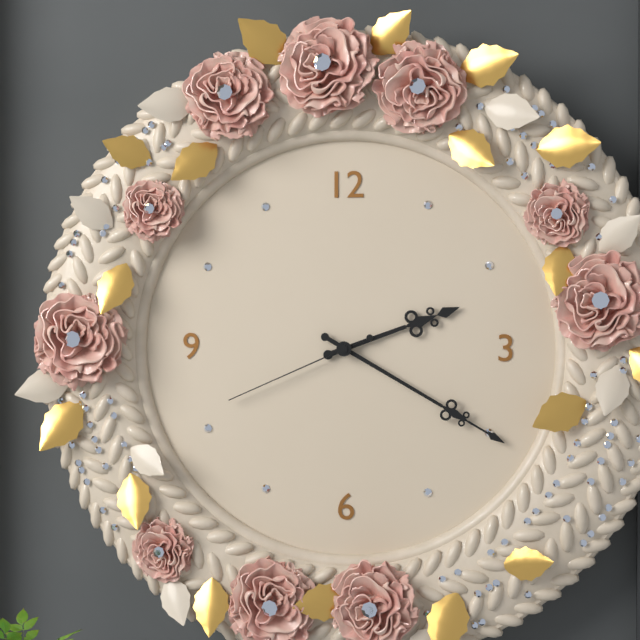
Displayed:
2.20.41
